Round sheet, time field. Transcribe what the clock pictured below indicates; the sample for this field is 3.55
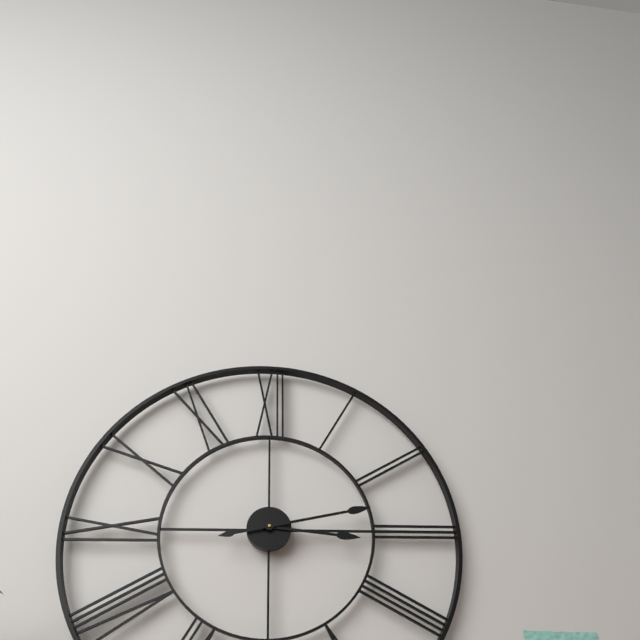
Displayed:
3.13
